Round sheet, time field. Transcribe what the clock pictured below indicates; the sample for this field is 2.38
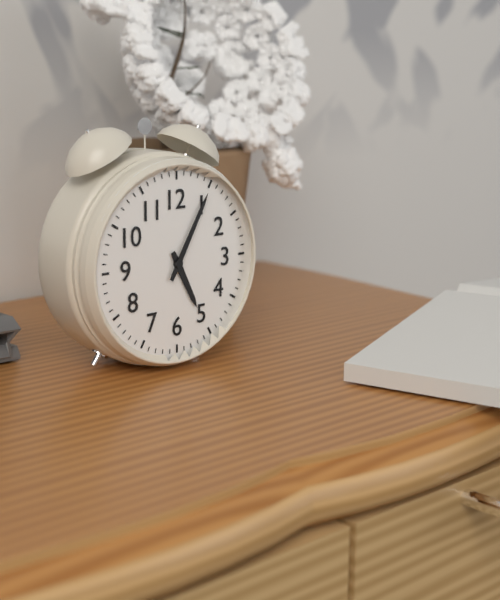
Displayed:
5.05
